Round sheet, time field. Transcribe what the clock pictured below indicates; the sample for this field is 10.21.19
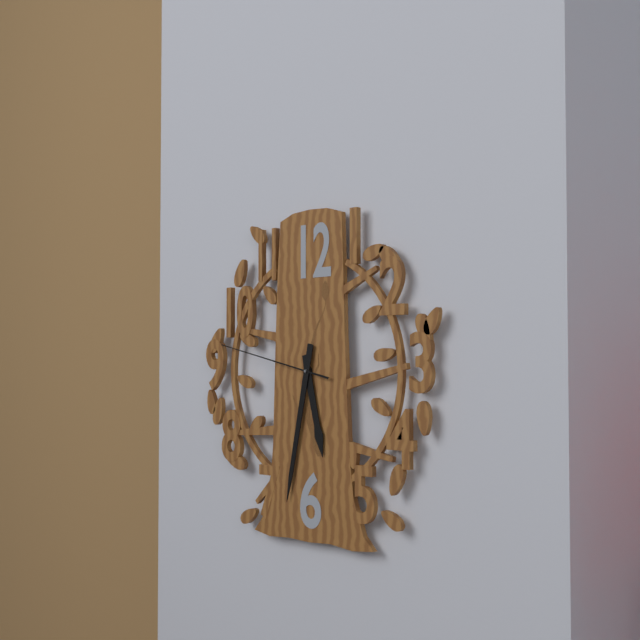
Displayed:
5.32.47
